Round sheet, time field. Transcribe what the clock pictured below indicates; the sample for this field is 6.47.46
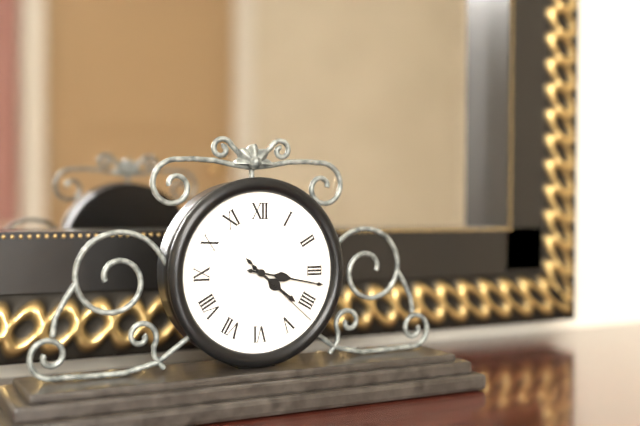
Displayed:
4.17.22
